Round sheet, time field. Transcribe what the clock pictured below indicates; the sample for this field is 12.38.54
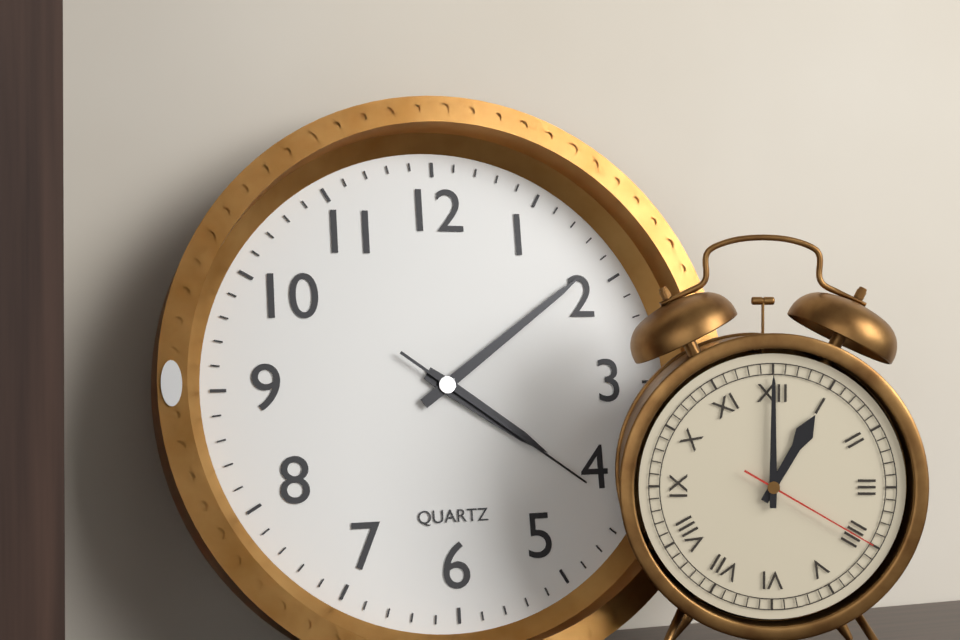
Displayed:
4.09.21
